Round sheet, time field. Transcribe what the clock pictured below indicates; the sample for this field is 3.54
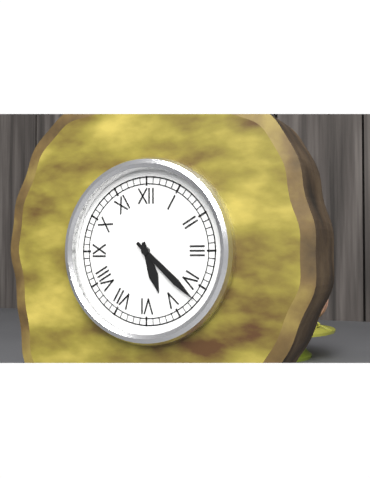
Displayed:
5.22
